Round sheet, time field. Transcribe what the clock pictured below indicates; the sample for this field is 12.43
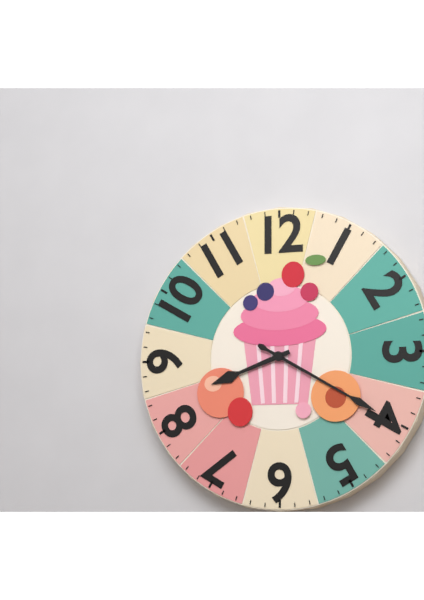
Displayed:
8.20
